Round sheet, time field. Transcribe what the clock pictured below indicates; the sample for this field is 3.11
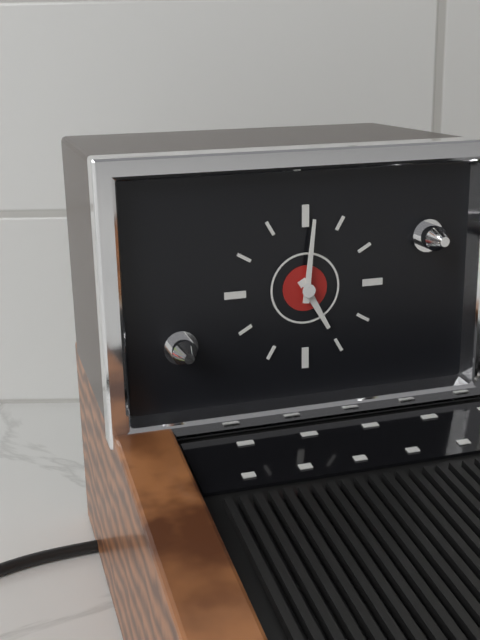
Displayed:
5.01
